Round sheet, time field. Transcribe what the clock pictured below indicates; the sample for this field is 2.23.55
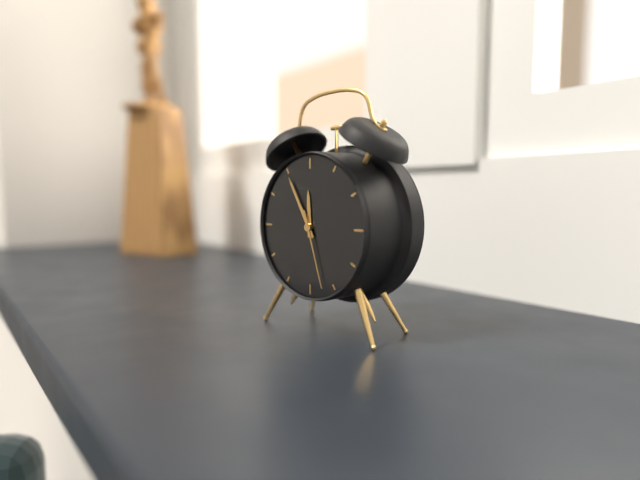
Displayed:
11.55.27
